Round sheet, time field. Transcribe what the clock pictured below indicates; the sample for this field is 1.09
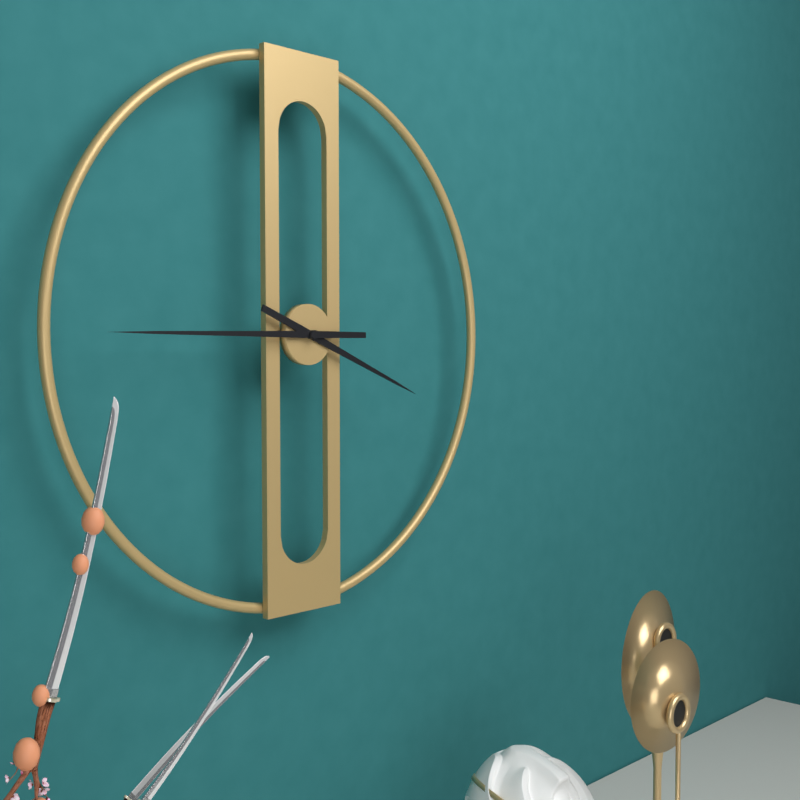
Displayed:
3.45
